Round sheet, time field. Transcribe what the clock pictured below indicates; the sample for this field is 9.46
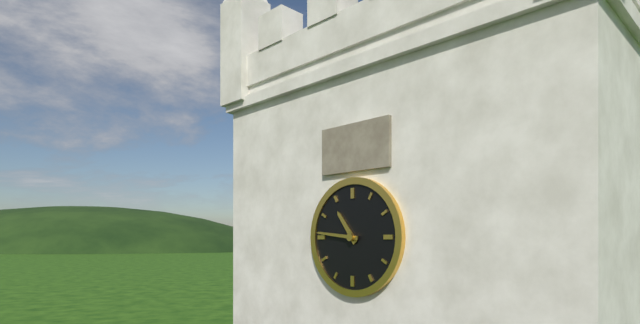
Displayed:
10.46
